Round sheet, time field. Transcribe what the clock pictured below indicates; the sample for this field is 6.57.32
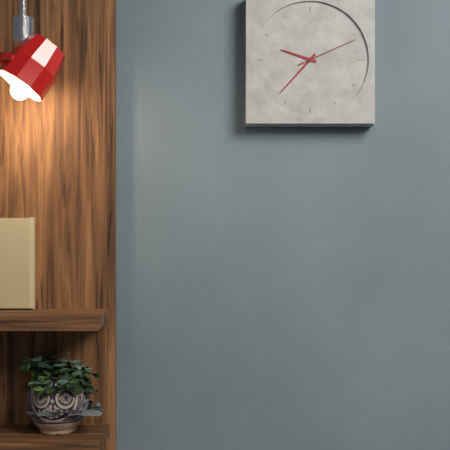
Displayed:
9.37.11
